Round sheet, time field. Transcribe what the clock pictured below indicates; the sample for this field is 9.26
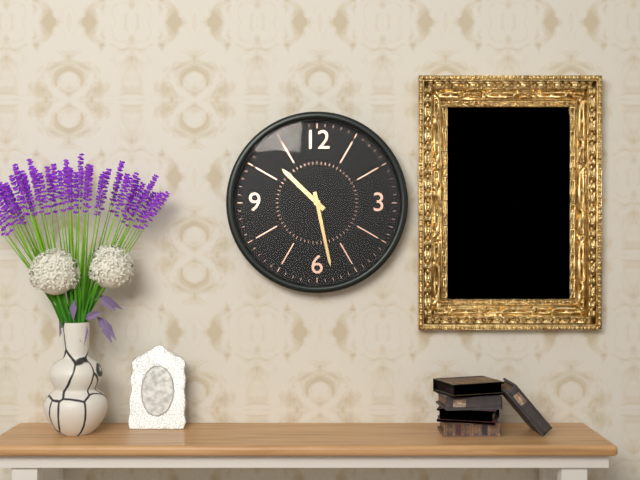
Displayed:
10.28
